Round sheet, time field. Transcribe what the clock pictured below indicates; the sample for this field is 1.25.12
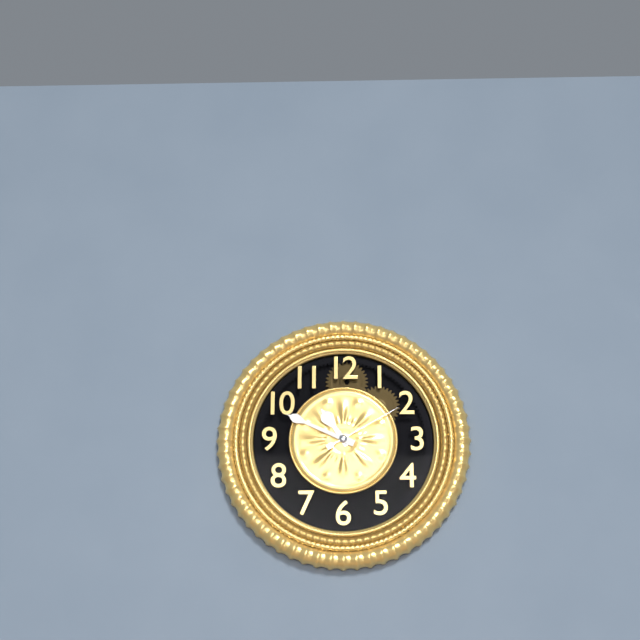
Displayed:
10.49.10
